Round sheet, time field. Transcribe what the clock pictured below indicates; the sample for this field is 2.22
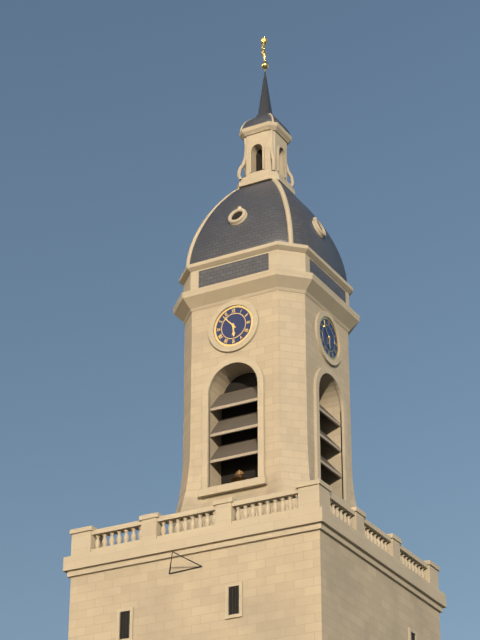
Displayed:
5.53
